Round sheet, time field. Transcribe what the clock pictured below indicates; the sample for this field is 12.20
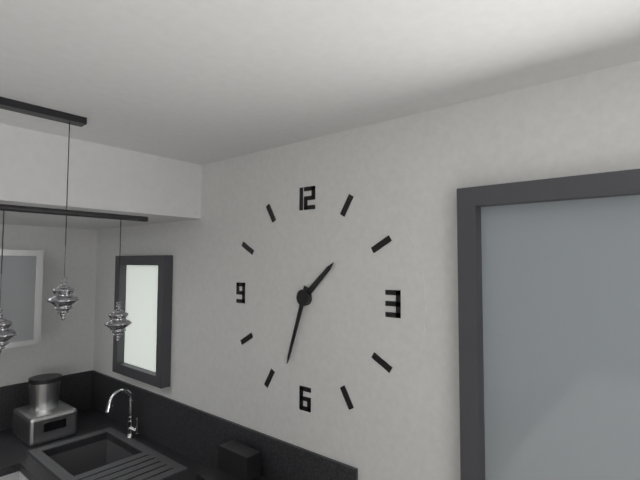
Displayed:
1.33
